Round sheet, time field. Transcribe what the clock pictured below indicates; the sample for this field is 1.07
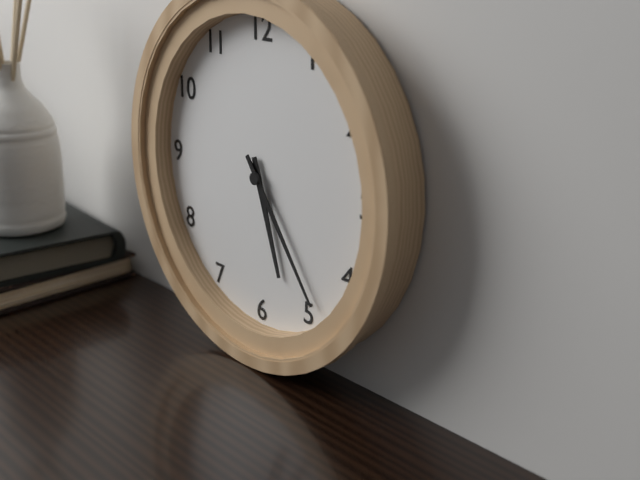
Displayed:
5.24
